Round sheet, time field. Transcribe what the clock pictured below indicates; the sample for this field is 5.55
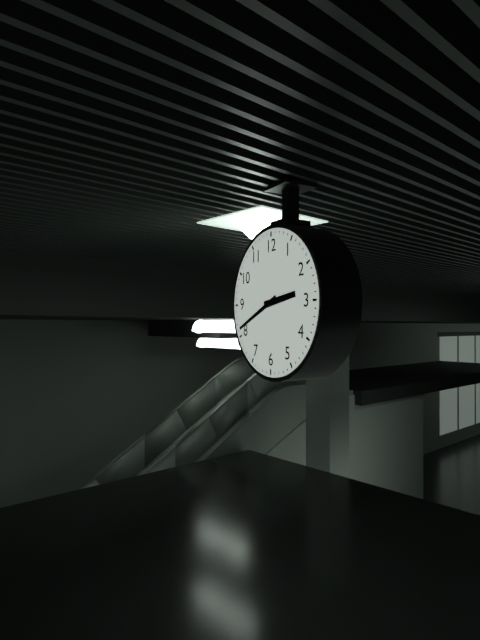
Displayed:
2.41
